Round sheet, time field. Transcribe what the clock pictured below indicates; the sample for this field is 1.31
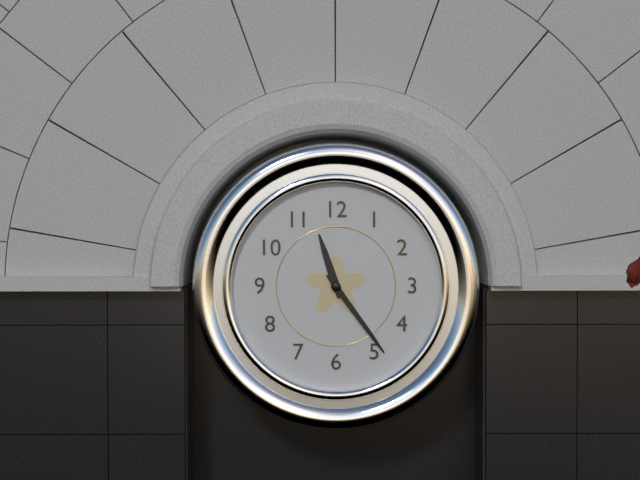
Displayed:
11.24
